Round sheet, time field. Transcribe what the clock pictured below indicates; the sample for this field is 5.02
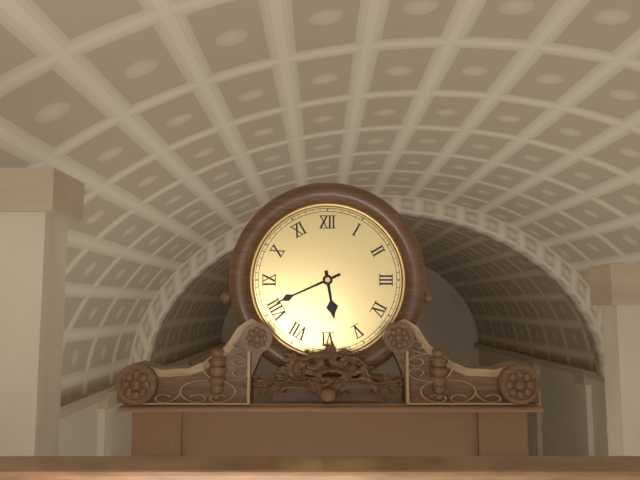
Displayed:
5.41
